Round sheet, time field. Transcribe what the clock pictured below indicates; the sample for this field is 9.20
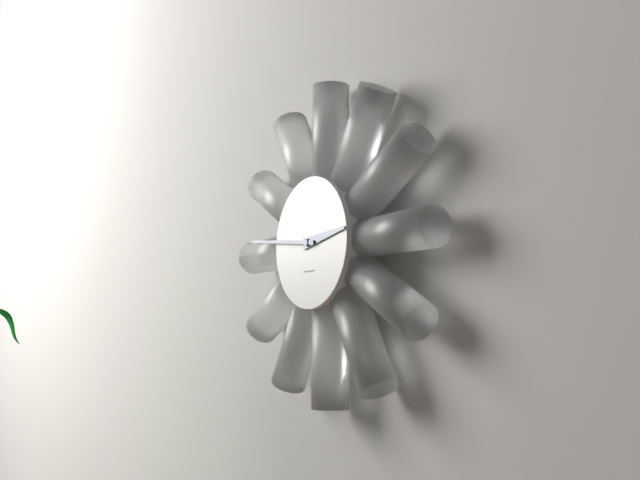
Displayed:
2.46
